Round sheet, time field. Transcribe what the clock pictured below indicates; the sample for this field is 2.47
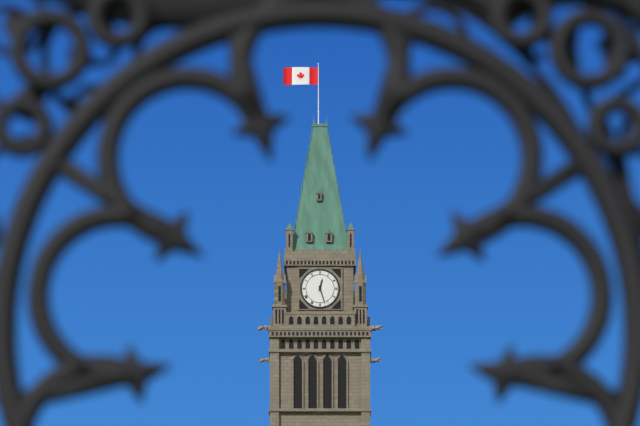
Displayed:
12.27
